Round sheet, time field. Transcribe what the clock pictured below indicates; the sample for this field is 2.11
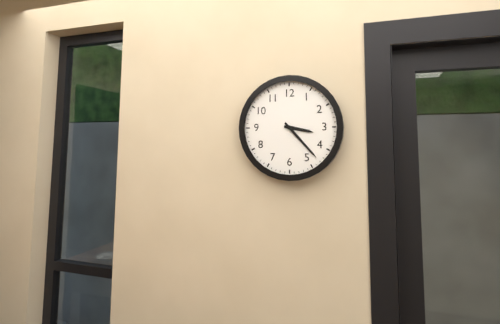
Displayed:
3.23
